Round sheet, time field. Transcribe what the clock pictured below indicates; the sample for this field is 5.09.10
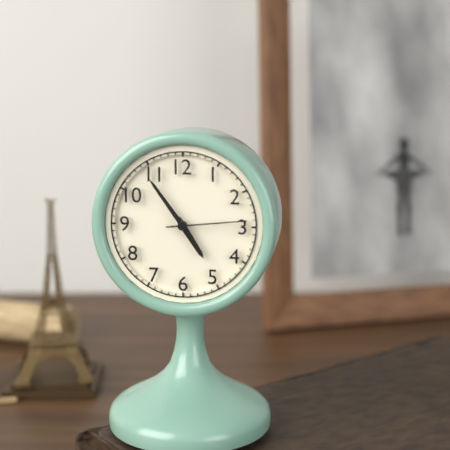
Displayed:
4.54.14
